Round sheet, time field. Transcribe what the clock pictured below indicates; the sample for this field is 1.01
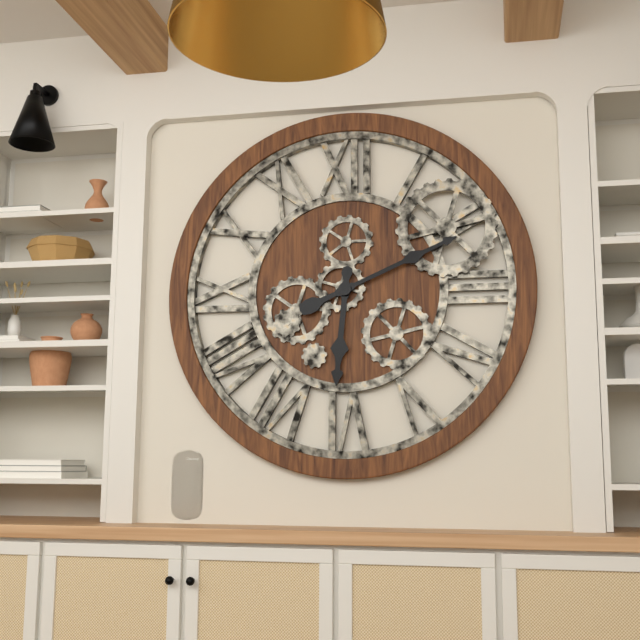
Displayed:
6.11
